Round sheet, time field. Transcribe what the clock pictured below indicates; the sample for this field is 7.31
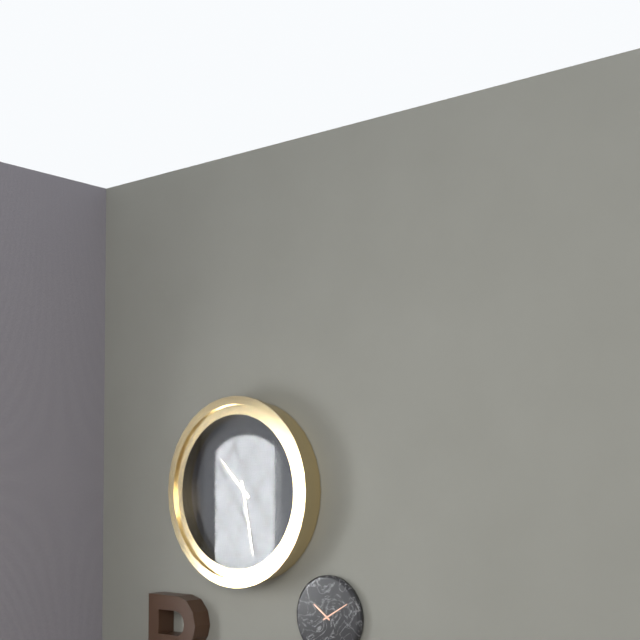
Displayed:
10.28
